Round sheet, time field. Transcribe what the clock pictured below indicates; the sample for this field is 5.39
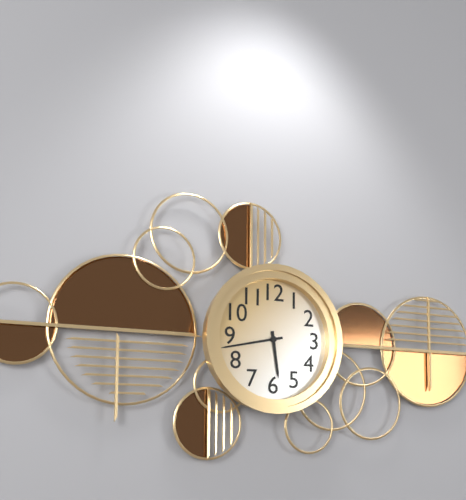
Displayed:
5.43
